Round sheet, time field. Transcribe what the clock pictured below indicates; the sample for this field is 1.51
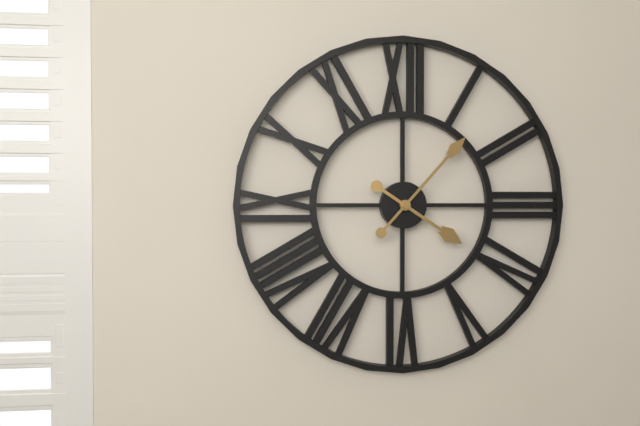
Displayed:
4.07
